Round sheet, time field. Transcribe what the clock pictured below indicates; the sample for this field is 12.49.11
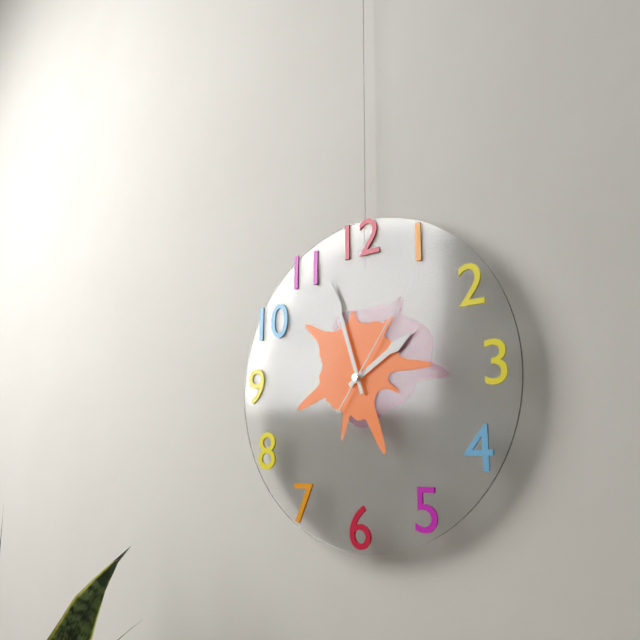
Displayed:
1.57.06
